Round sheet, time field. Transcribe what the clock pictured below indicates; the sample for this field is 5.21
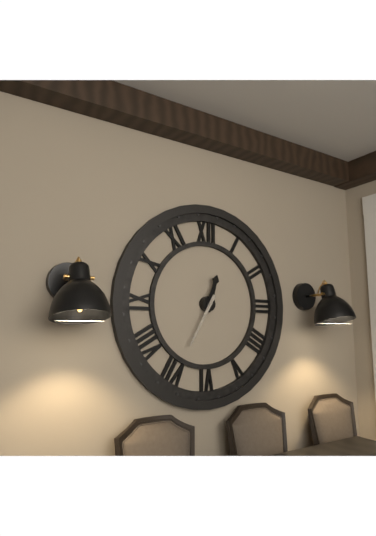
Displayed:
12.35
